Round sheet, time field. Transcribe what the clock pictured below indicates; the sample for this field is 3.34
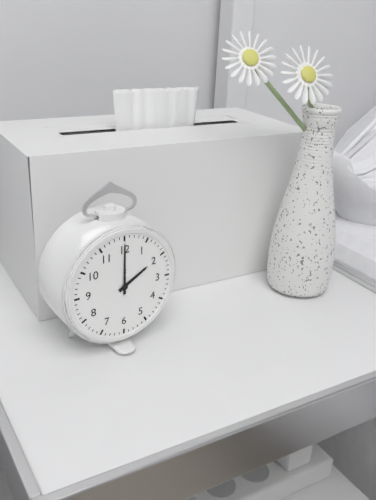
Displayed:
2.00
